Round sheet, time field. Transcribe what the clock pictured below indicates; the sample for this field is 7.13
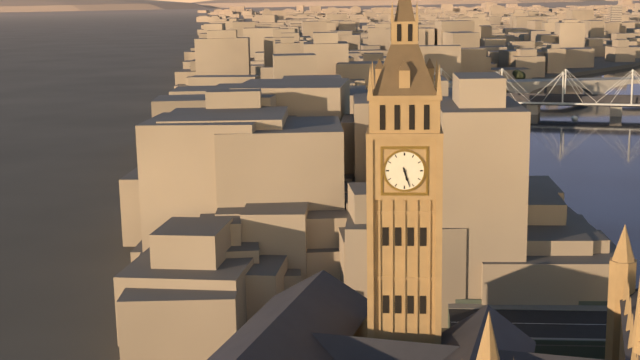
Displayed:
5.27
